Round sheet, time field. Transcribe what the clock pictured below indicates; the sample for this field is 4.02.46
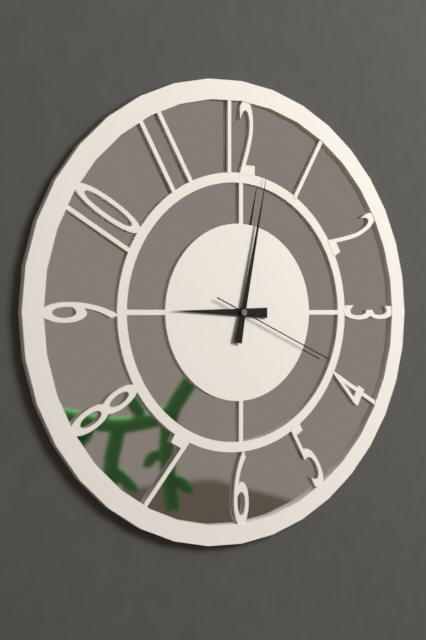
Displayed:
9.02.19
